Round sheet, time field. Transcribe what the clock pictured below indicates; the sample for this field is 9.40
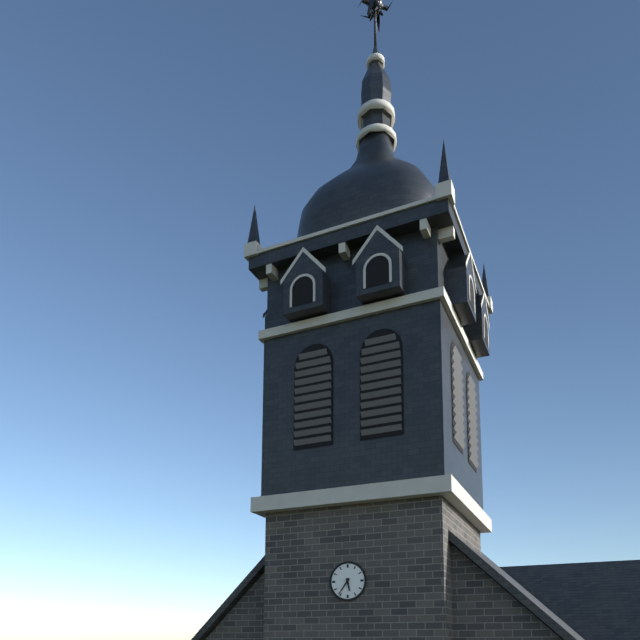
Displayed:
5.36
